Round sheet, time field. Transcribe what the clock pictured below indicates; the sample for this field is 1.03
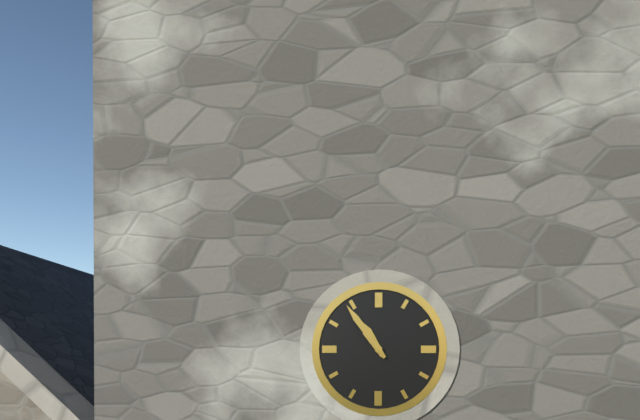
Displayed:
10.54
